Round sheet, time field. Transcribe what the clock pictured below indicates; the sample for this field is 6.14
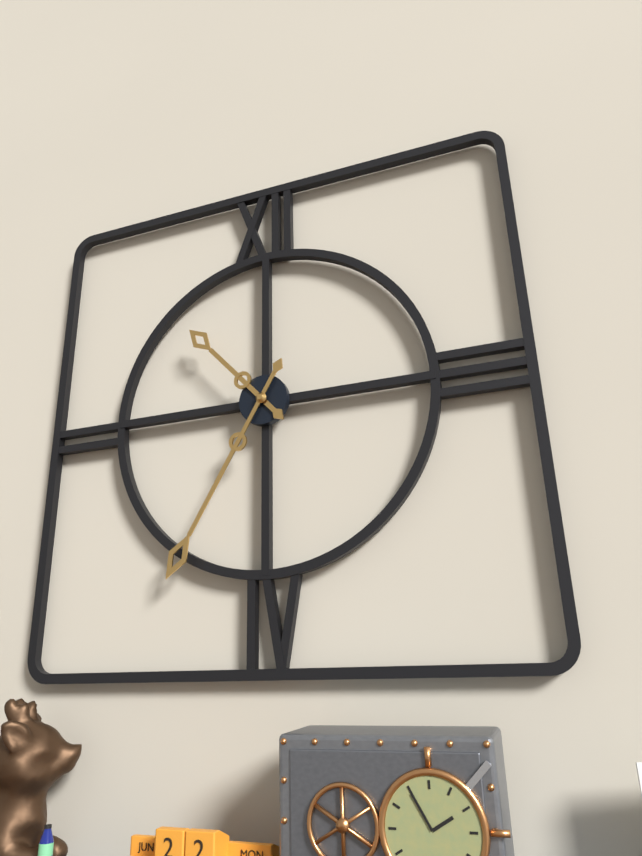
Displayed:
10.35
